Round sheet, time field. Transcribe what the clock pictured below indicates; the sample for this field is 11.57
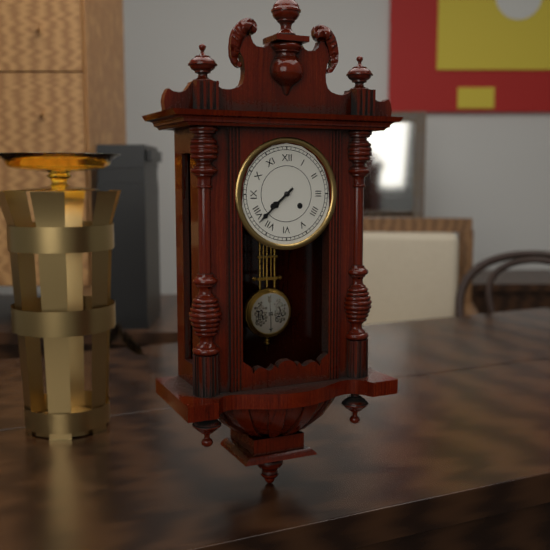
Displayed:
7.38
